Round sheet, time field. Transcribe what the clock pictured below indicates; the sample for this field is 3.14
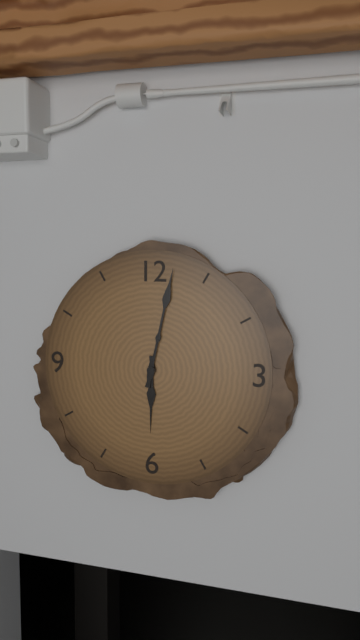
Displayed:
6.02
